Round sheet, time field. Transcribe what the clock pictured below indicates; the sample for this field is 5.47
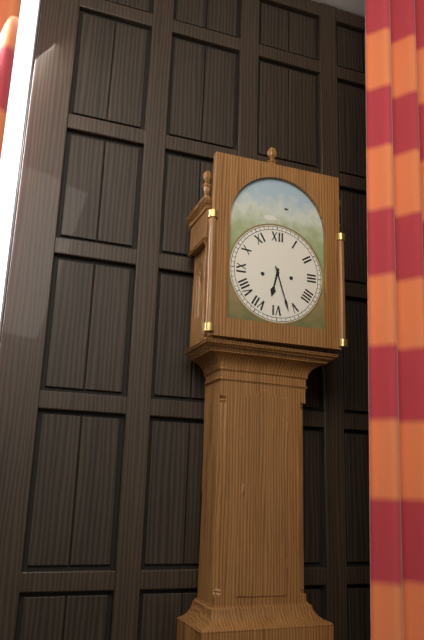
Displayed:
6.27
